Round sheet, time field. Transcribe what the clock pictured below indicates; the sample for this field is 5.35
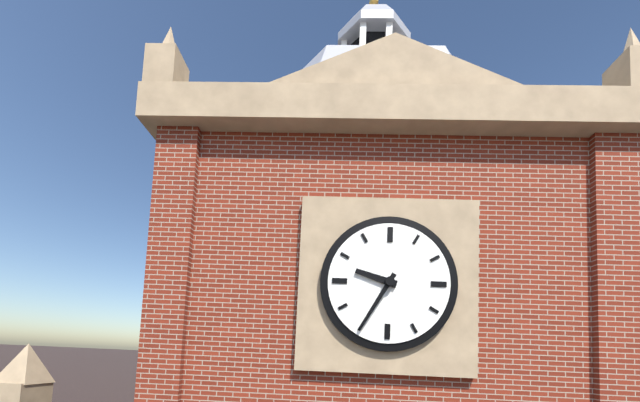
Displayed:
9.35
